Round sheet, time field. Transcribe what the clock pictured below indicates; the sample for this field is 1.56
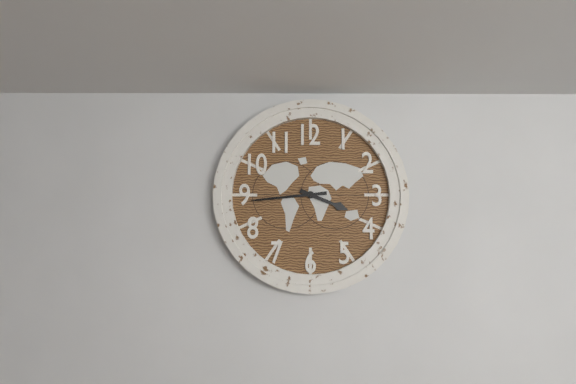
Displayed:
3.44
